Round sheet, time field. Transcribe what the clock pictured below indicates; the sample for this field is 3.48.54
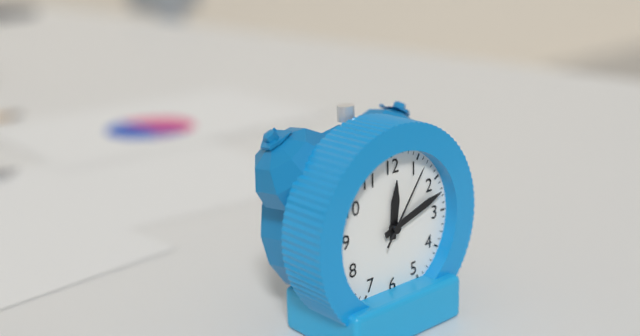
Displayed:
12.12.06
